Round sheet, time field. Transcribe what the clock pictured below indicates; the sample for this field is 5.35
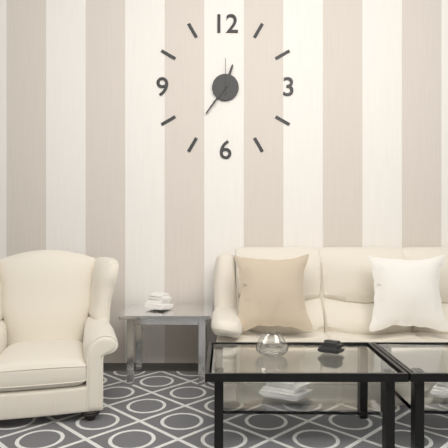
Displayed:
12.36
